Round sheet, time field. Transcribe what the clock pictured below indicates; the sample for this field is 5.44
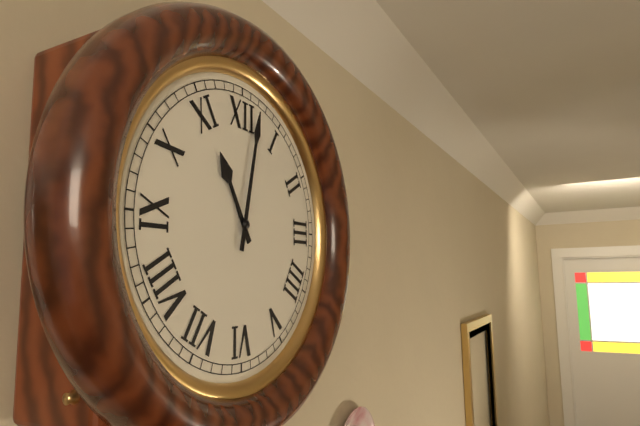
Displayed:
11.02
